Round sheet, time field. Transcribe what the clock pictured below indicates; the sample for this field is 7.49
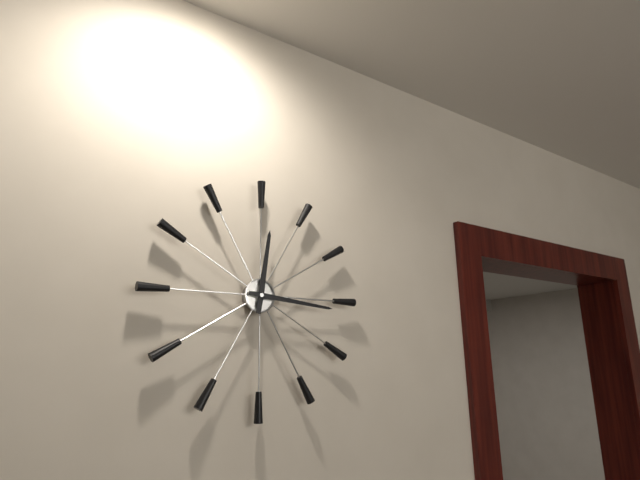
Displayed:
12.16
